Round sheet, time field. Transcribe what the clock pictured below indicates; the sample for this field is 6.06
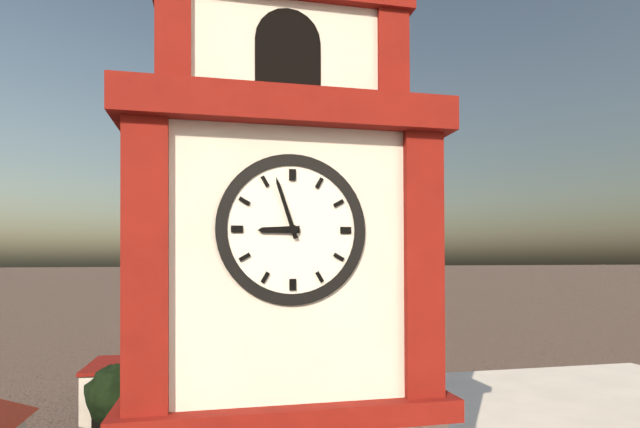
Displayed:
8.57
